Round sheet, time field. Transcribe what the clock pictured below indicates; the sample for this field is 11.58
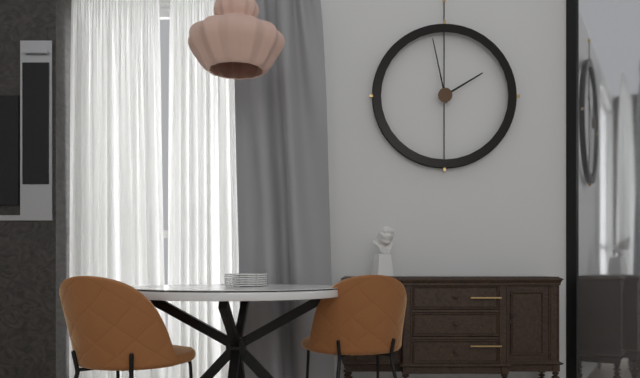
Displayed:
1.58
